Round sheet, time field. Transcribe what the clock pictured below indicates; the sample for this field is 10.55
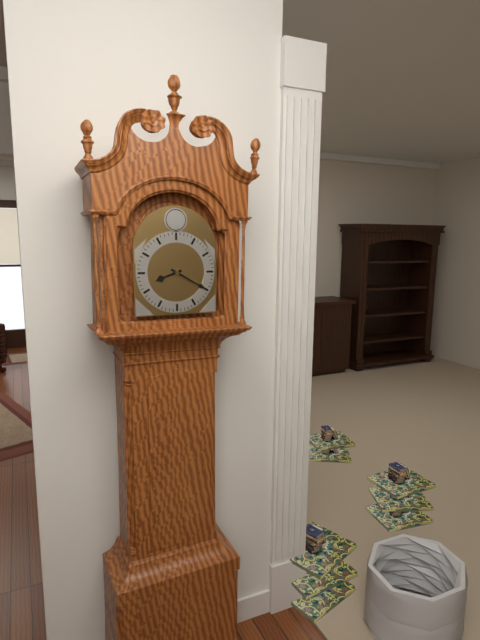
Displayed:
8.20
